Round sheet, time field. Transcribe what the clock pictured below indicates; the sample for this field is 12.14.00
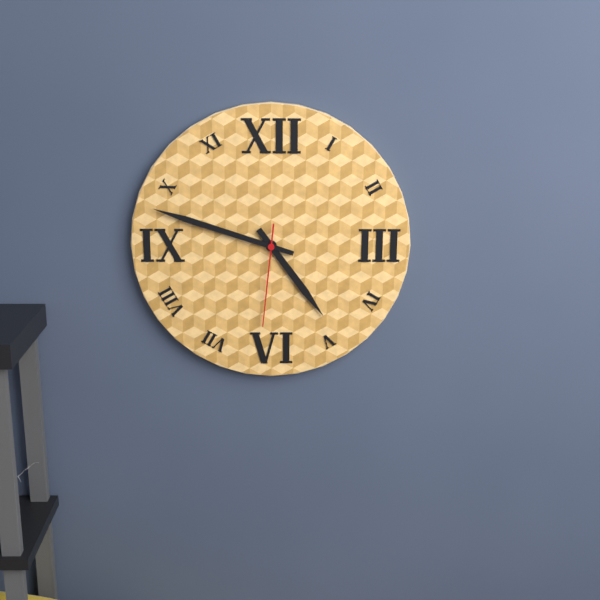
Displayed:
4.48.31
